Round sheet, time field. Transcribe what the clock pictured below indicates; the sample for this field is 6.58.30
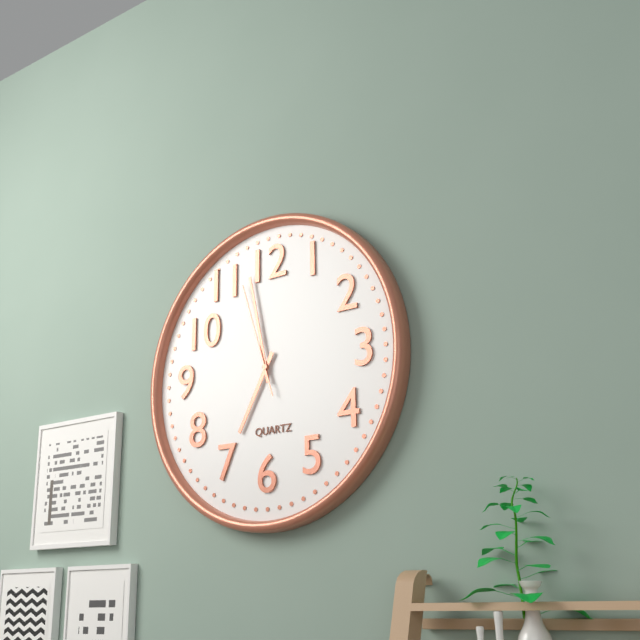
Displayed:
6.58.57
